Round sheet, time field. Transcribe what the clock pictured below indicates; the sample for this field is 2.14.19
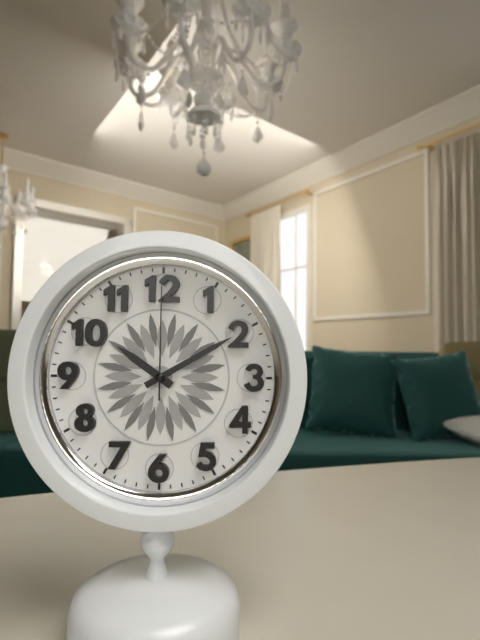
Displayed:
10.10.00
